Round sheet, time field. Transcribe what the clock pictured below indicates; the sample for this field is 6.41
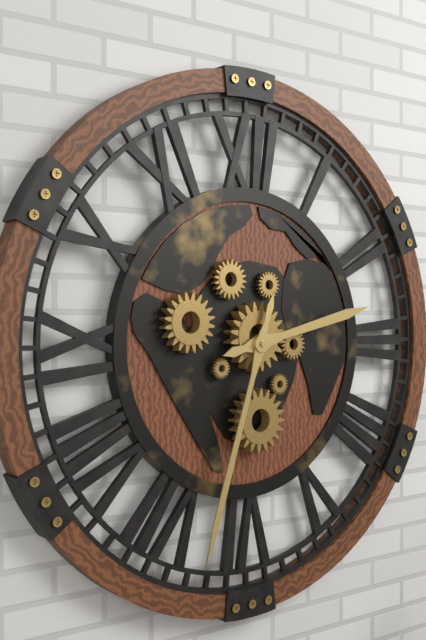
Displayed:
2.33
